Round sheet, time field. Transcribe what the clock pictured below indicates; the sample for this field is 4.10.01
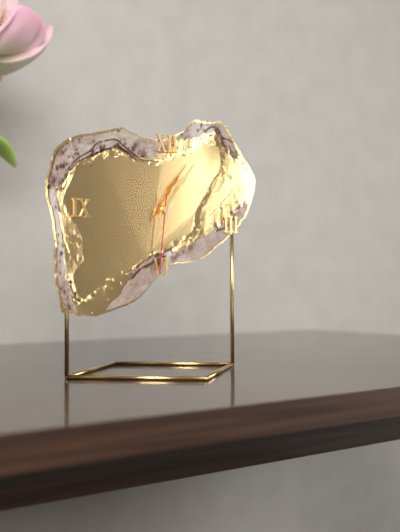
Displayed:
1.06.31
